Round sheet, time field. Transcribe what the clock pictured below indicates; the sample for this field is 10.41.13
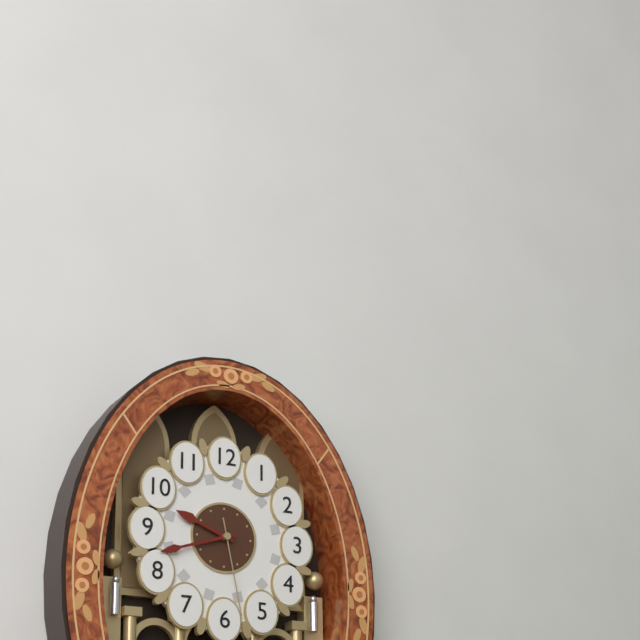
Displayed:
9.42.28
